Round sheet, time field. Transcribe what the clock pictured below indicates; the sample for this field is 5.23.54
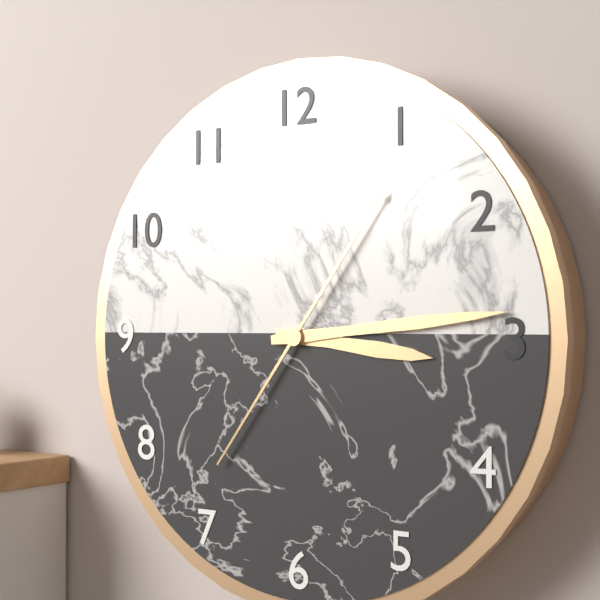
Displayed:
3.14.06
